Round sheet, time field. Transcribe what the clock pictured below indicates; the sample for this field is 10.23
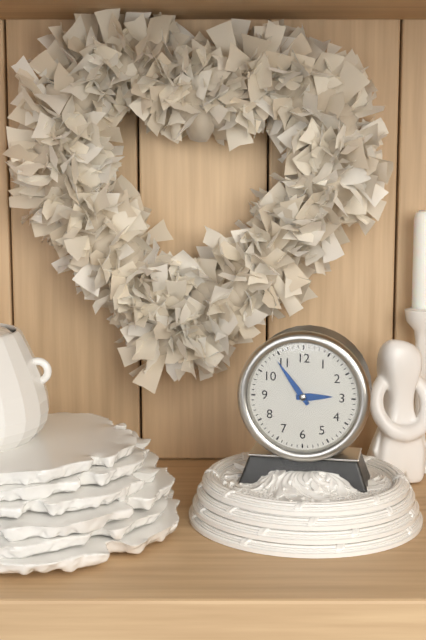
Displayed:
2.54
